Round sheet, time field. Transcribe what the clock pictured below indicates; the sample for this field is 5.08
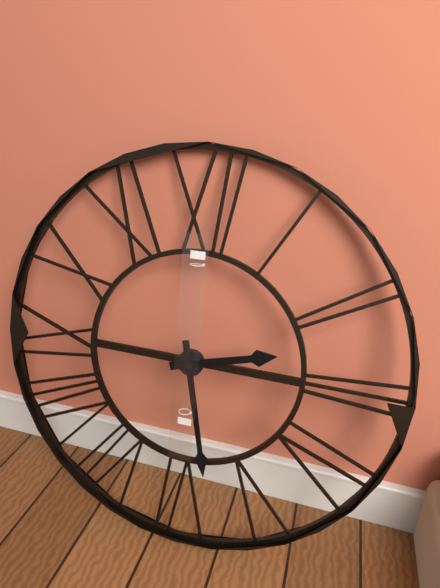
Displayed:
2.28
